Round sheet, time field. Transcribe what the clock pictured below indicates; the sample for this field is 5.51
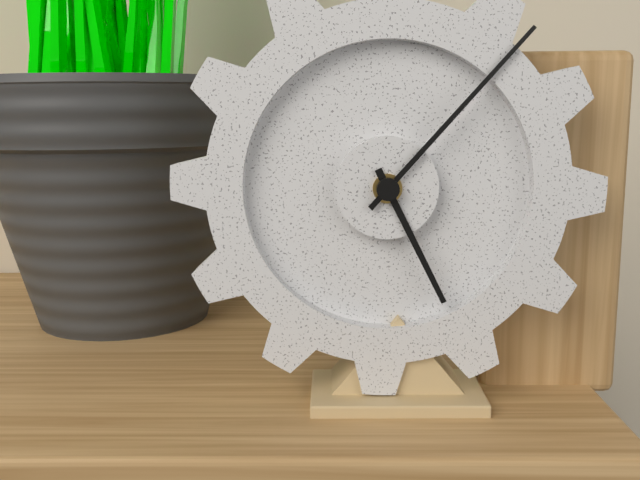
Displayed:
5.07
